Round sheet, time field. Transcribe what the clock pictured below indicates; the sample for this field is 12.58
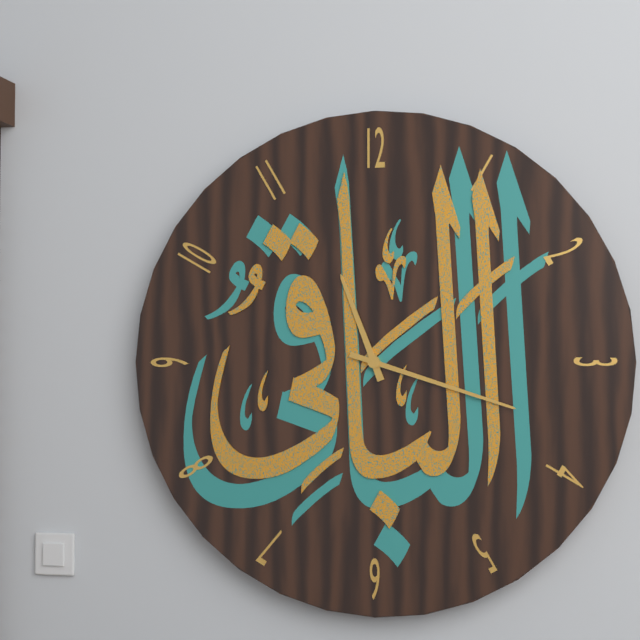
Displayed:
11.18
